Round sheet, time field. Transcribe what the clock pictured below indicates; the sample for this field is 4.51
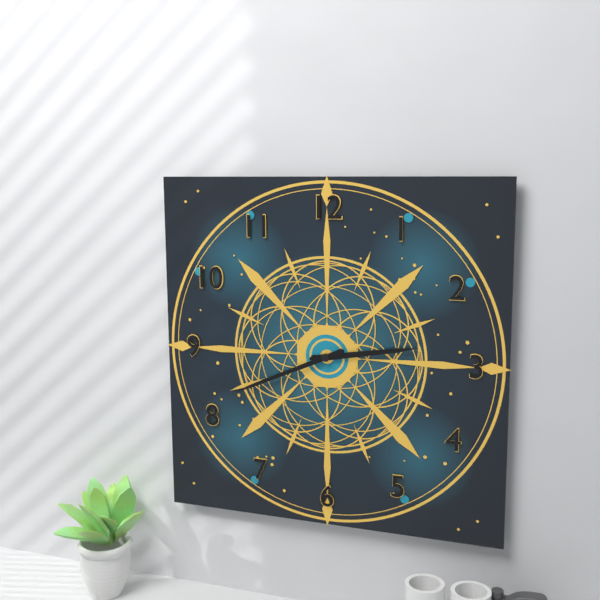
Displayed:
2.41
